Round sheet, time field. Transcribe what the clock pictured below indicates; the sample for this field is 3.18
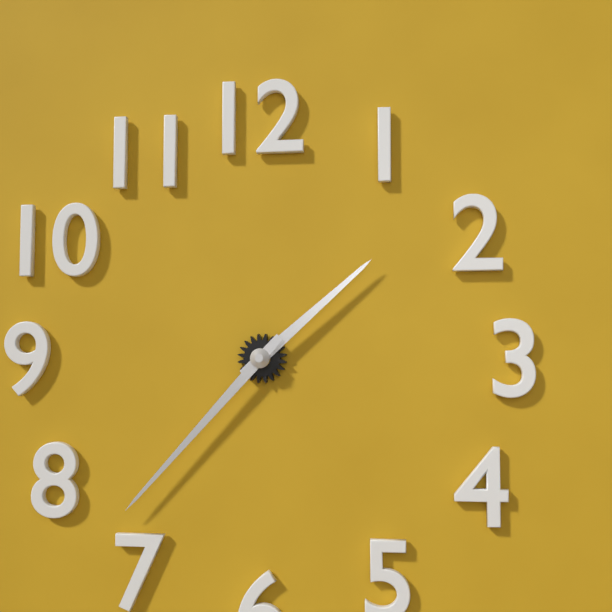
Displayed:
1.37
